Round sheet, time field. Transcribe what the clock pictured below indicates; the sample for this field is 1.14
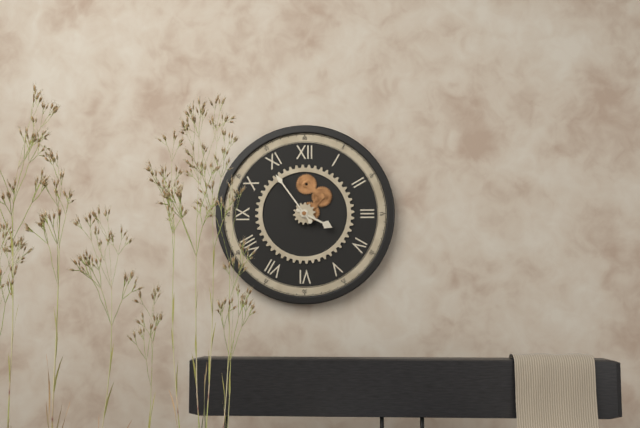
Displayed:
3.54
